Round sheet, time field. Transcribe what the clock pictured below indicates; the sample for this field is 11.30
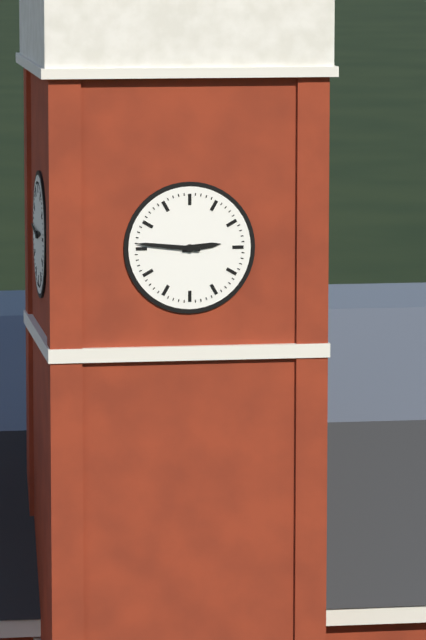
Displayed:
2.46
